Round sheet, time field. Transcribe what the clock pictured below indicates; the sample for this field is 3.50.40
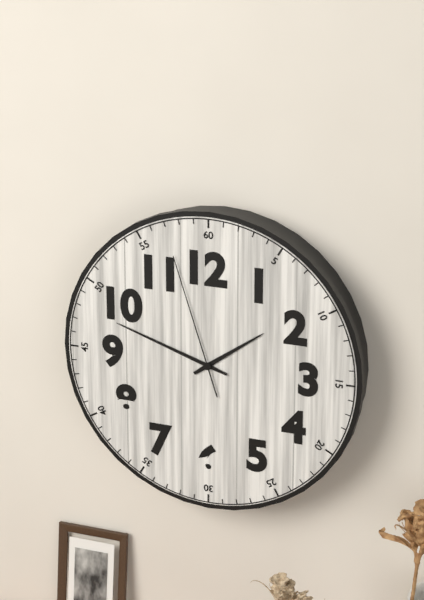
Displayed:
1.48.57
